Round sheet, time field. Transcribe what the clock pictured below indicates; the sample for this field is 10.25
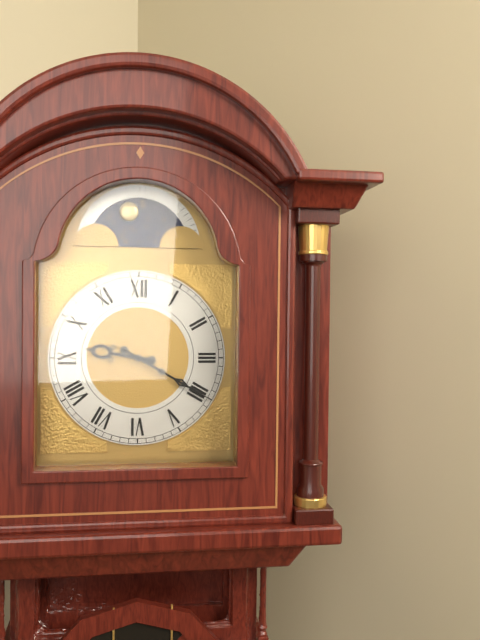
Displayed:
9.20
